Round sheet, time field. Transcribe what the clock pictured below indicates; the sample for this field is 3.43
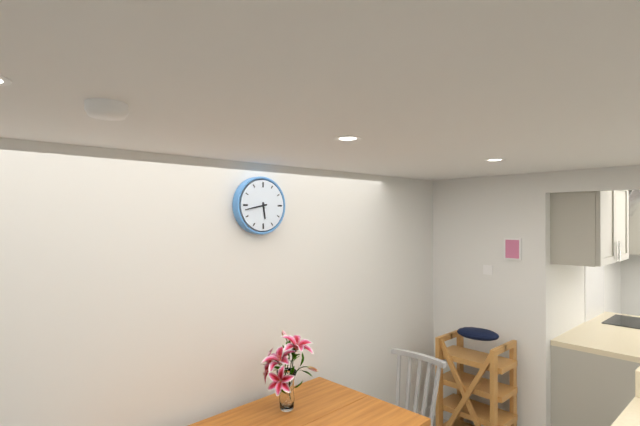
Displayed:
5.43
